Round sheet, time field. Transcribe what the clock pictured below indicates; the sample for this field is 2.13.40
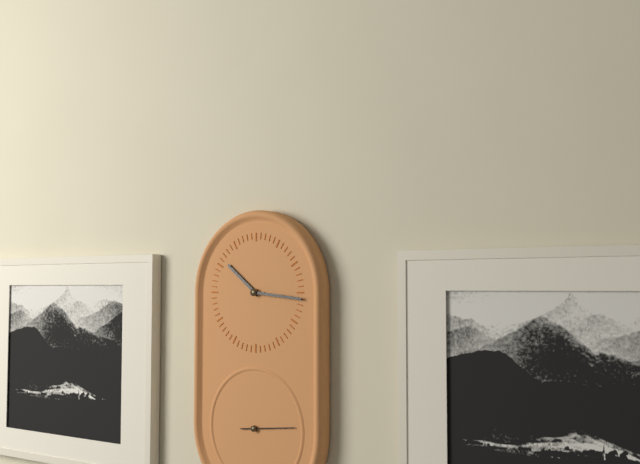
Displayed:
10.16.14
